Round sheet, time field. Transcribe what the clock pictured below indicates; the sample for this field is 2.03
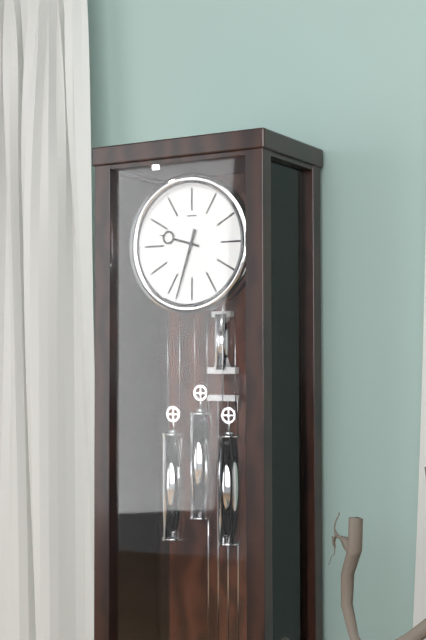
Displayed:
9.33
